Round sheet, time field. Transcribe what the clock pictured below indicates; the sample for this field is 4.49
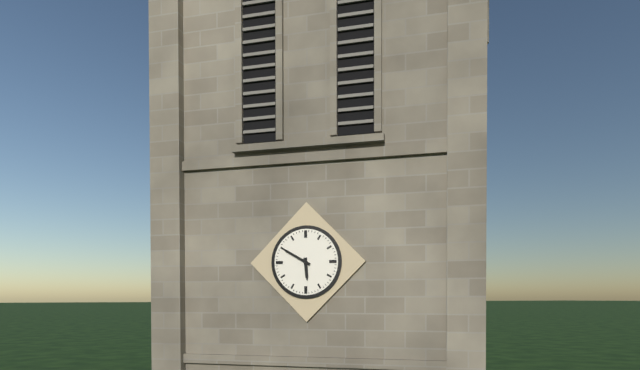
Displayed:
5.50
